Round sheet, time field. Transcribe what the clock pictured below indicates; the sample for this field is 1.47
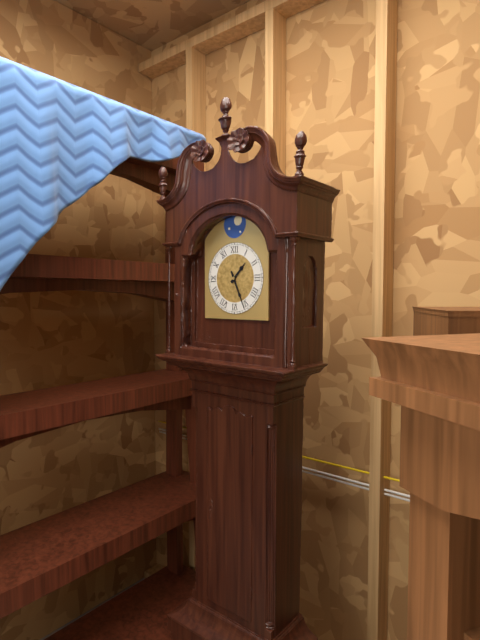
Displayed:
1.26
